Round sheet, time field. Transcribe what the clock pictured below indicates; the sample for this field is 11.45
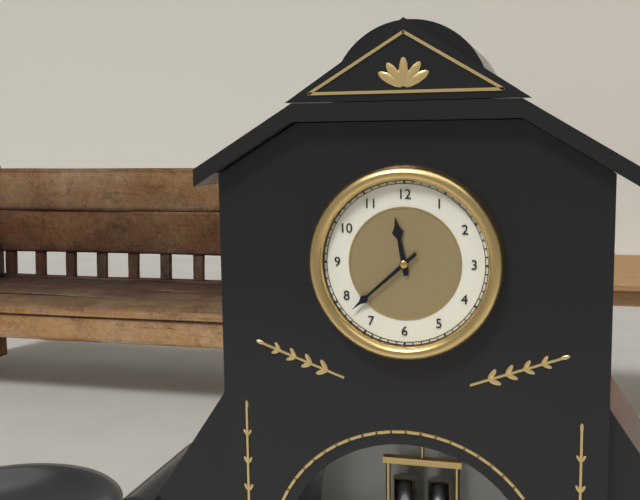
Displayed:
11.38
